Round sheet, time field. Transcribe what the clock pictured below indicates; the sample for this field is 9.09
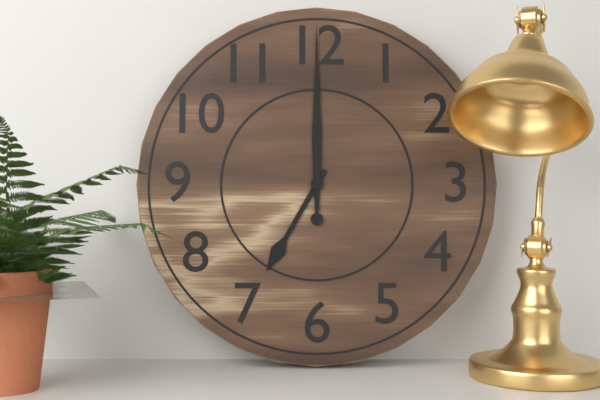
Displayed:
7.00
